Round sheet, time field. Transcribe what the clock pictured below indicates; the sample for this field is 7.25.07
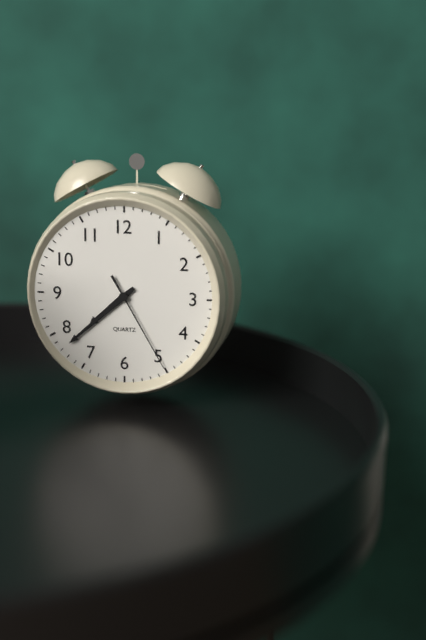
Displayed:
7.38.25
